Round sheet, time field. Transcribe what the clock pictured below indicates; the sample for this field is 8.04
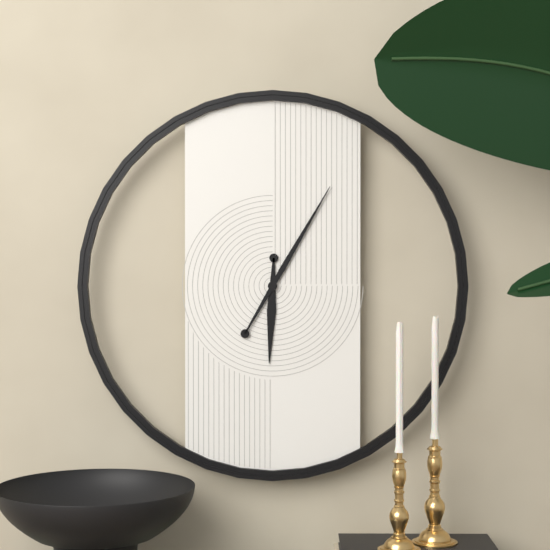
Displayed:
6.05
